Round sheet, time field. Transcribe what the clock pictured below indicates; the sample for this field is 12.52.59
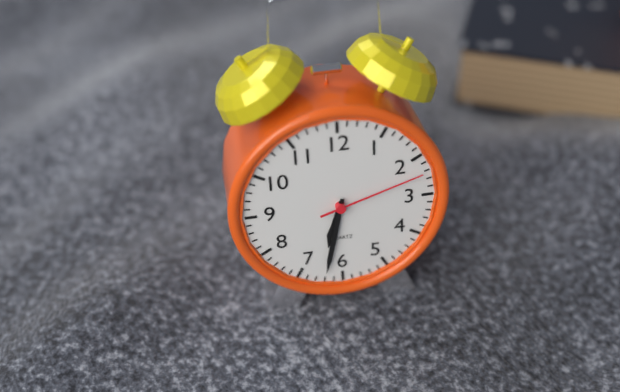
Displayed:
6.32.12
